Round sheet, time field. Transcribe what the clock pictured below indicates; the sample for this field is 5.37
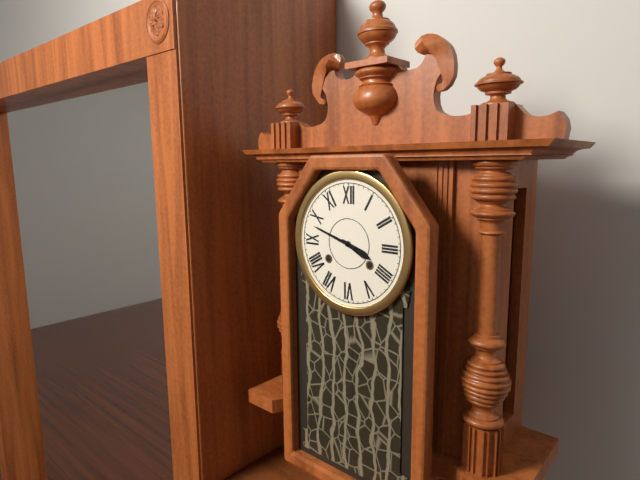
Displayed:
3.48
